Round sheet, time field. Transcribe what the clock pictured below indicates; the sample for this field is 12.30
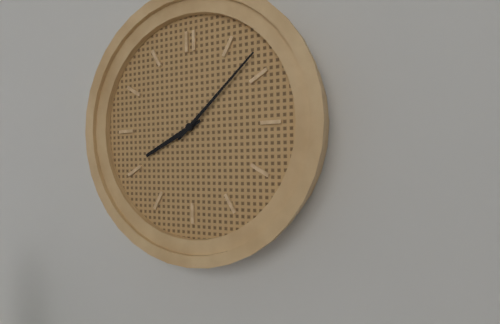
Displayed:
8.08
